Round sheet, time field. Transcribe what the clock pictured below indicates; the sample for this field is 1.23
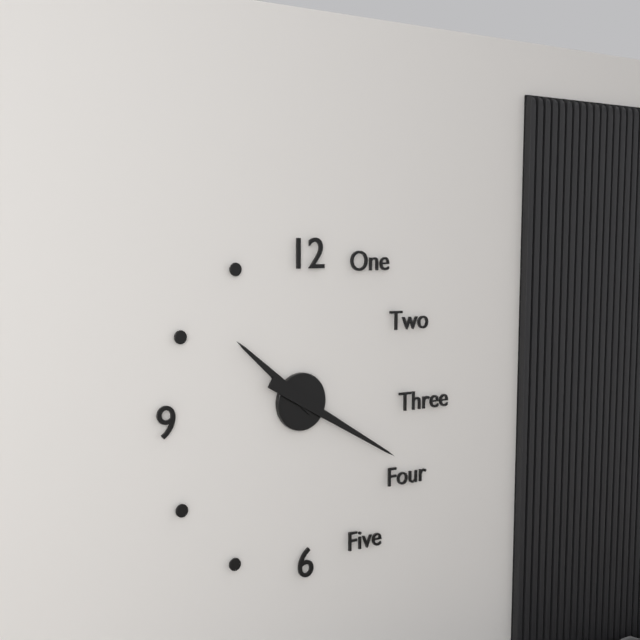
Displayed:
10.20
